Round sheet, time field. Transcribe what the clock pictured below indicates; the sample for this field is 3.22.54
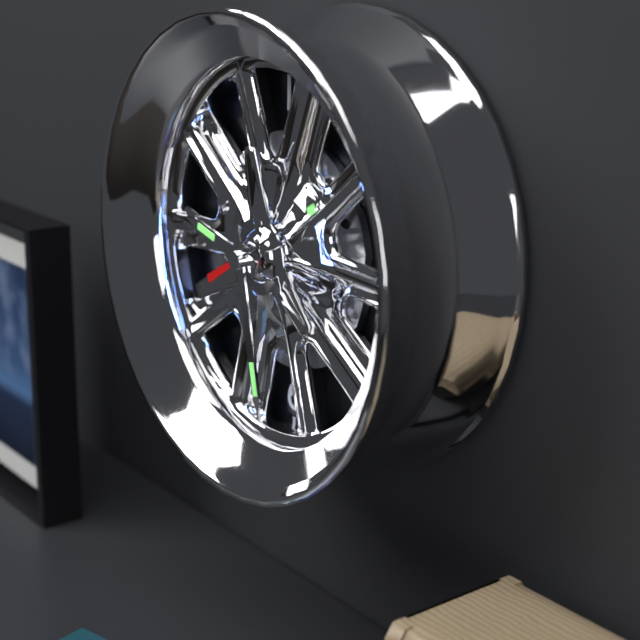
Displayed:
9.28.10
